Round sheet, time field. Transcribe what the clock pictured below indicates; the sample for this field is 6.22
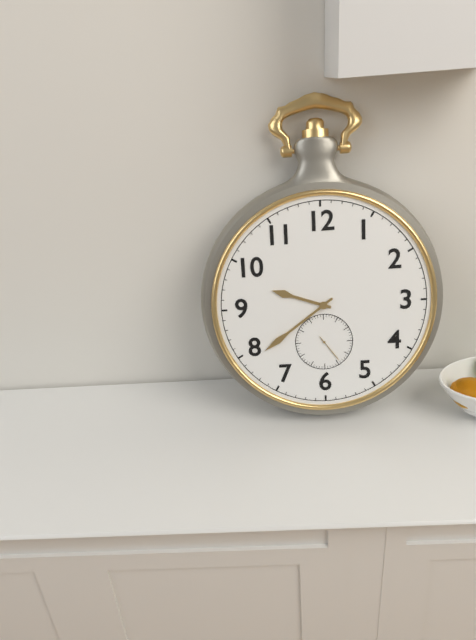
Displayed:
9.39
